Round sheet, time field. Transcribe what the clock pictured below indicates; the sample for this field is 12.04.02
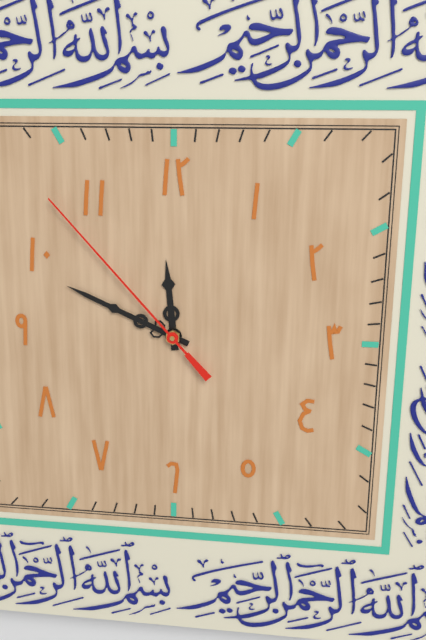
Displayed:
11.49.53
